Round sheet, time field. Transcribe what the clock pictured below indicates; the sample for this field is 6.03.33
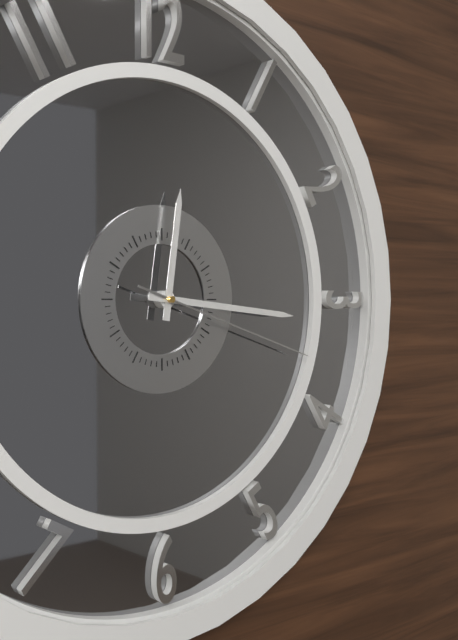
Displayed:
12.16.18
